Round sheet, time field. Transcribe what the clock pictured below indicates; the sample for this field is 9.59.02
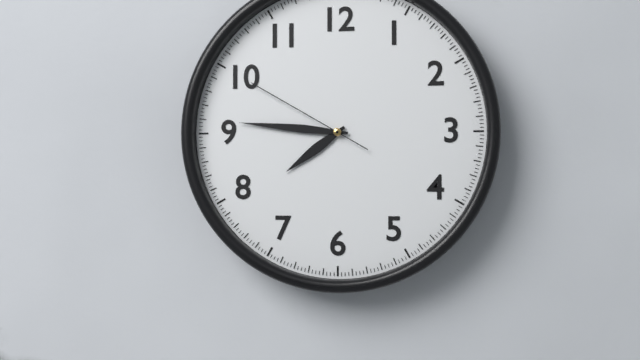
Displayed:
7.46.50
